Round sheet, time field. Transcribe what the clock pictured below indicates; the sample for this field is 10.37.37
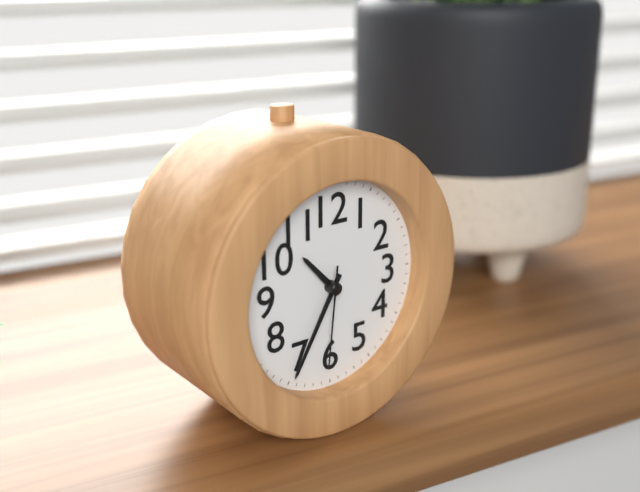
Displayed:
10.35.31
